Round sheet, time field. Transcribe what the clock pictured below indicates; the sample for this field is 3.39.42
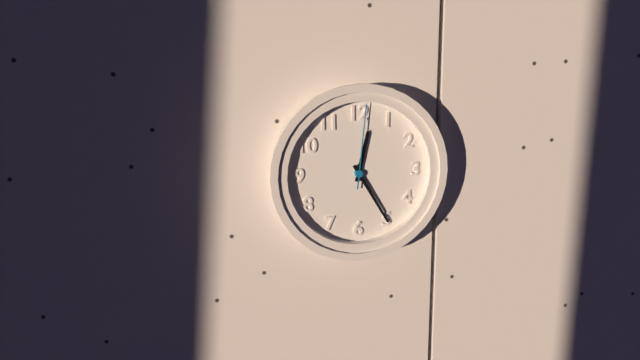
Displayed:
12.25.01
